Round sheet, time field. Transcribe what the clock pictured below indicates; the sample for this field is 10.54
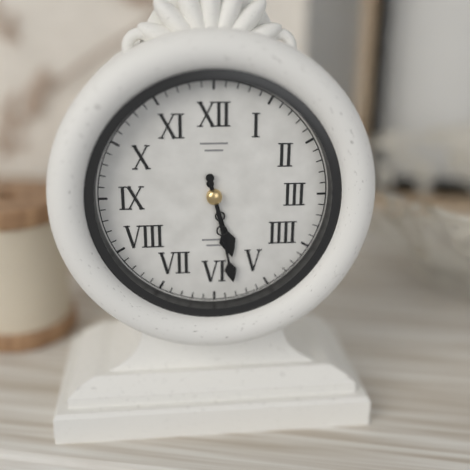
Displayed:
5.28
